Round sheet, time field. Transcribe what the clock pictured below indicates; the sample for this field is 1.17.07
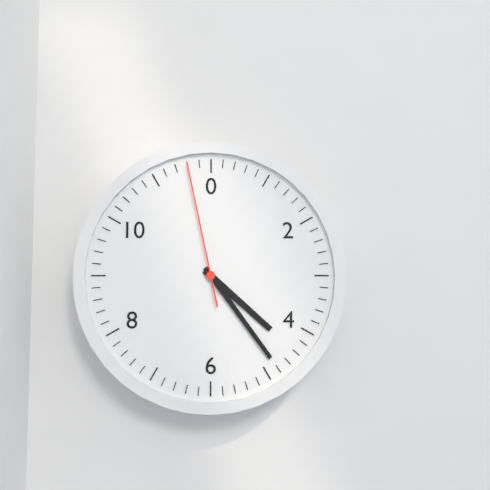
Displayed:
4.24.58
